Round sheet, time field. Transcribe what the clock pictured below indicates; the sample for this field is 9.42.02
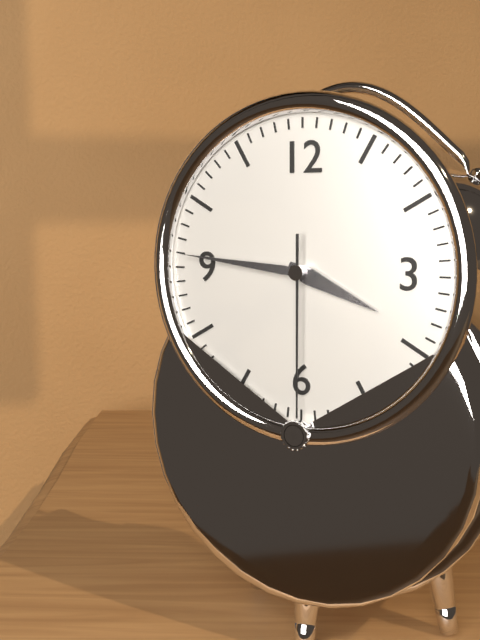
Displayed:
3.46.30
